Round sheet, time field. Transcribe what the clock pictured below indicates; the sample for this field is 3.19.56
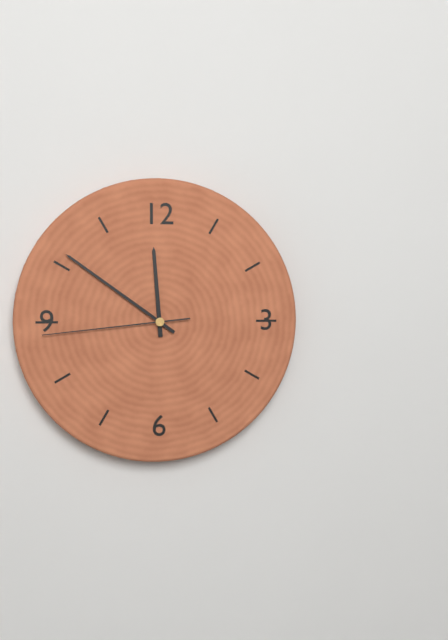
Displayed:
11.51.44
